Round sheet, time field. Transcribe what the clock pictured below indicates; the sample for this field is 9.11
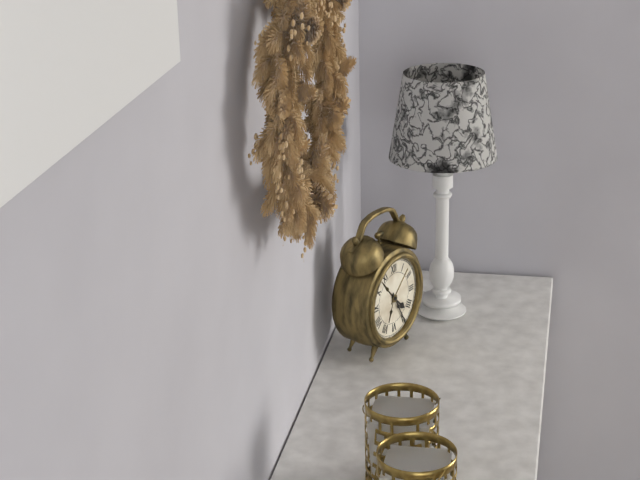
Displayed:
4.25
